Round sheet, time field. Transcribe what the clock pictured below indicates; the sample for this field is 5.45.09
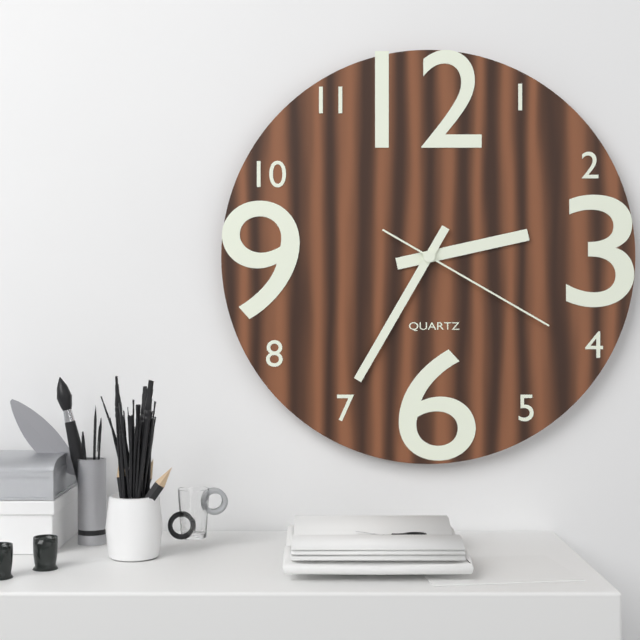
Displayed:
2.35.20
